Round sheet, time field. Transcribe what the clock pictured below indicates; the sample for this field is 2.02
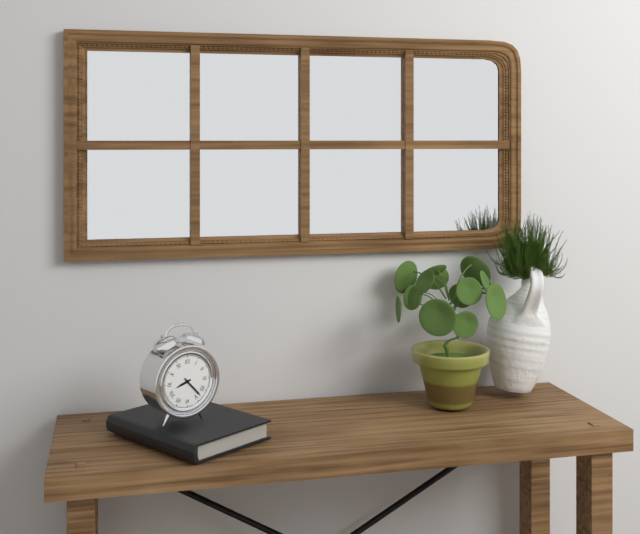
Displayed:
8.23
